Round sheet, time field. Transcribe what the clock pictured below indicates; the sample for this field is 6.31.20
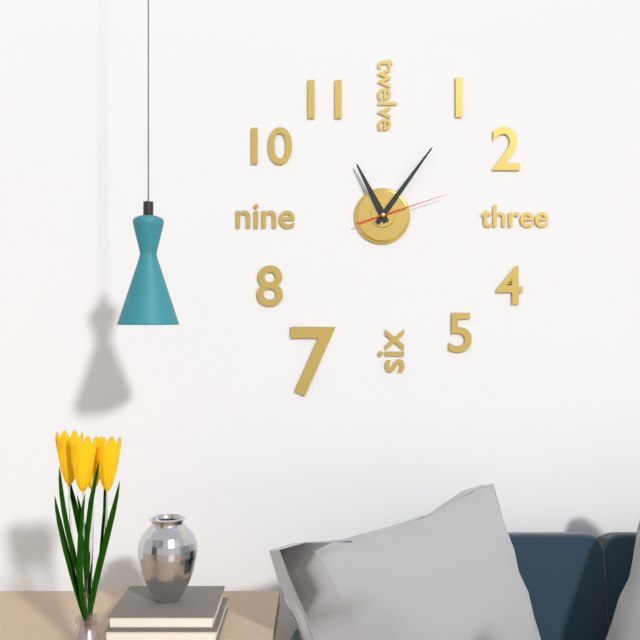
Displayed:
11.06.12
